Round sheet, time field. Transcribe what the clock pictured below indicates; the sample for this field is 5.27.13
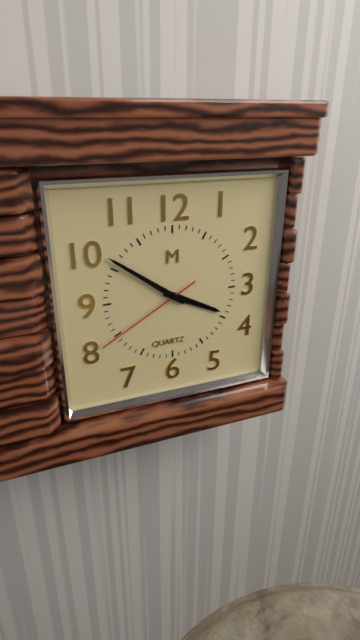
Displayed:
3.51.40
